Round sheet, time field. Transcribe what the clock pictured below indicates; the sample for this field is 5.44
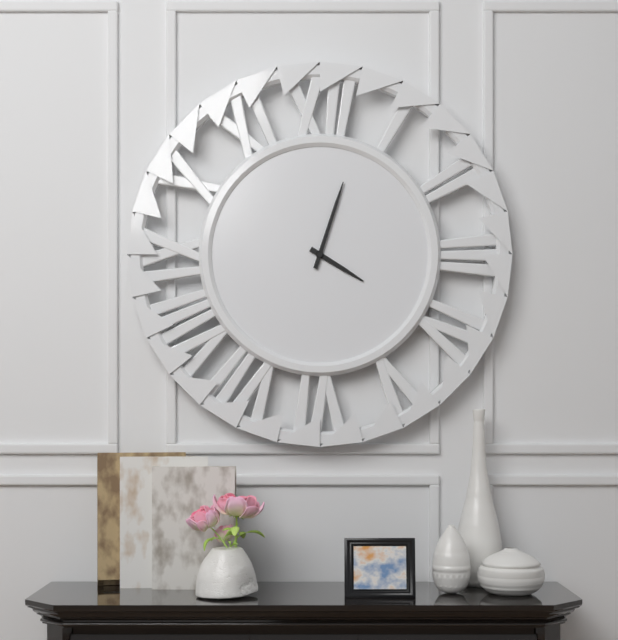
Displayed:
4.03
